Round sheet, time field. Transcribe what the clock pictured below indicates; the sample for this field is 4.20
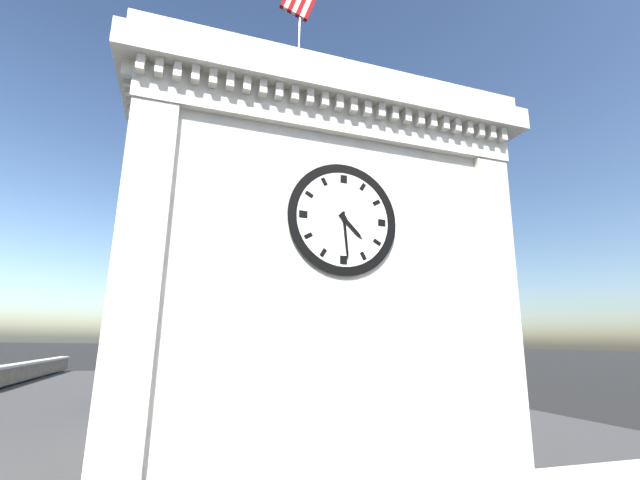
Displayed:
4.29
